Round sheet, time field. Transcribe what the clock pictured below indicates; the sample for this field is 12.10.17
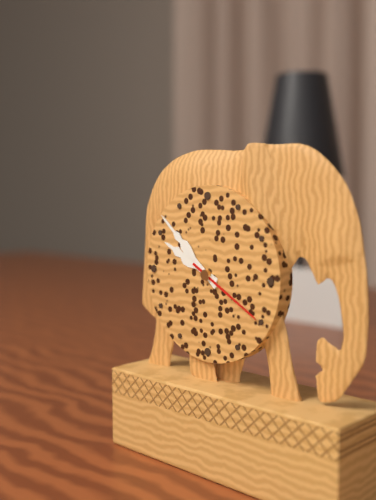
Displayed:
9.52.20
